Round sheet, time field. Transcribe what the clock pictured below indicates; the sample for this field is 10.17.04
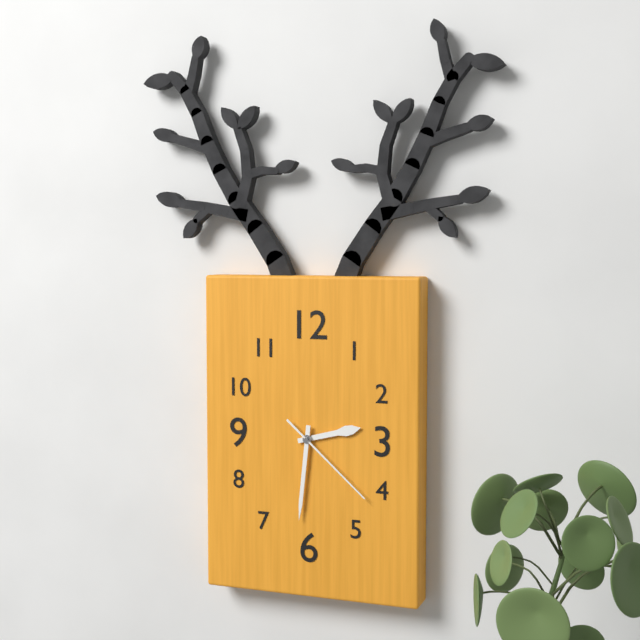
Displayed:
2.31.22
